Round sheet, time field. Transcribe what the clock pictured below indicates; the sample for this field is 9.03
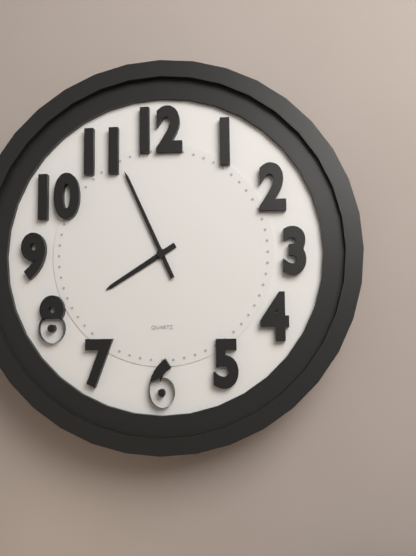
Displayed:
7.56
